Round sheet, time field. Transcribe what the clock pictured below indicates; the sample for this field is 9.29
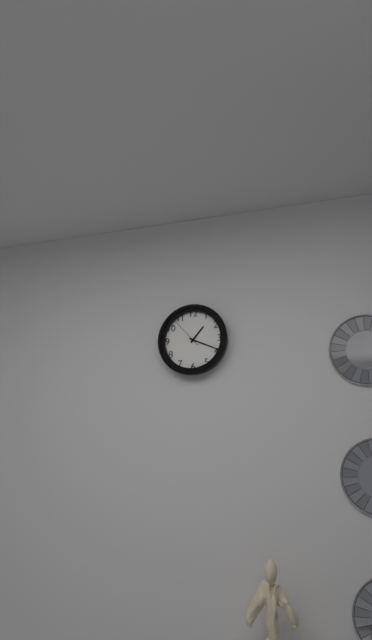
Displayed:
1.19
